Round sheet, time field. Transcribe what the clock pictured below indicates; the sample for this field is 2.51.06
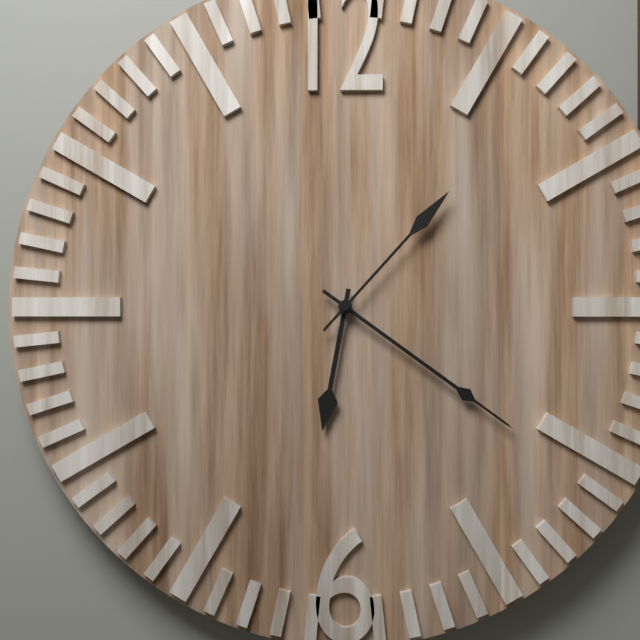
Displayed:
6.21.07
